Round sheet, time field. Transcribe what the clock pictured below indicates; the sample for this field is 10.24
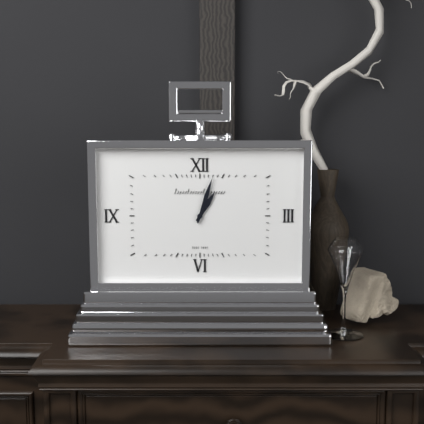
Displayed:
1.03
